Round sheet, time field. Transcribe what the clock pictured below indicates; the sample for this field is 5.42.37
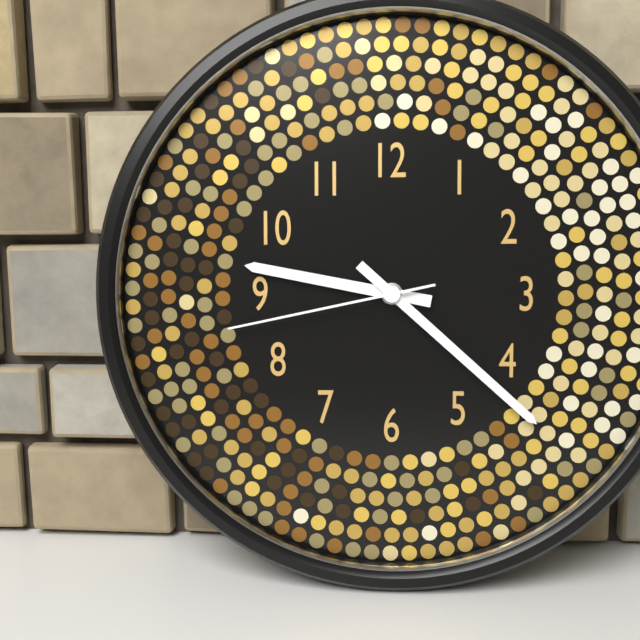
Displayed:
9.22.43
